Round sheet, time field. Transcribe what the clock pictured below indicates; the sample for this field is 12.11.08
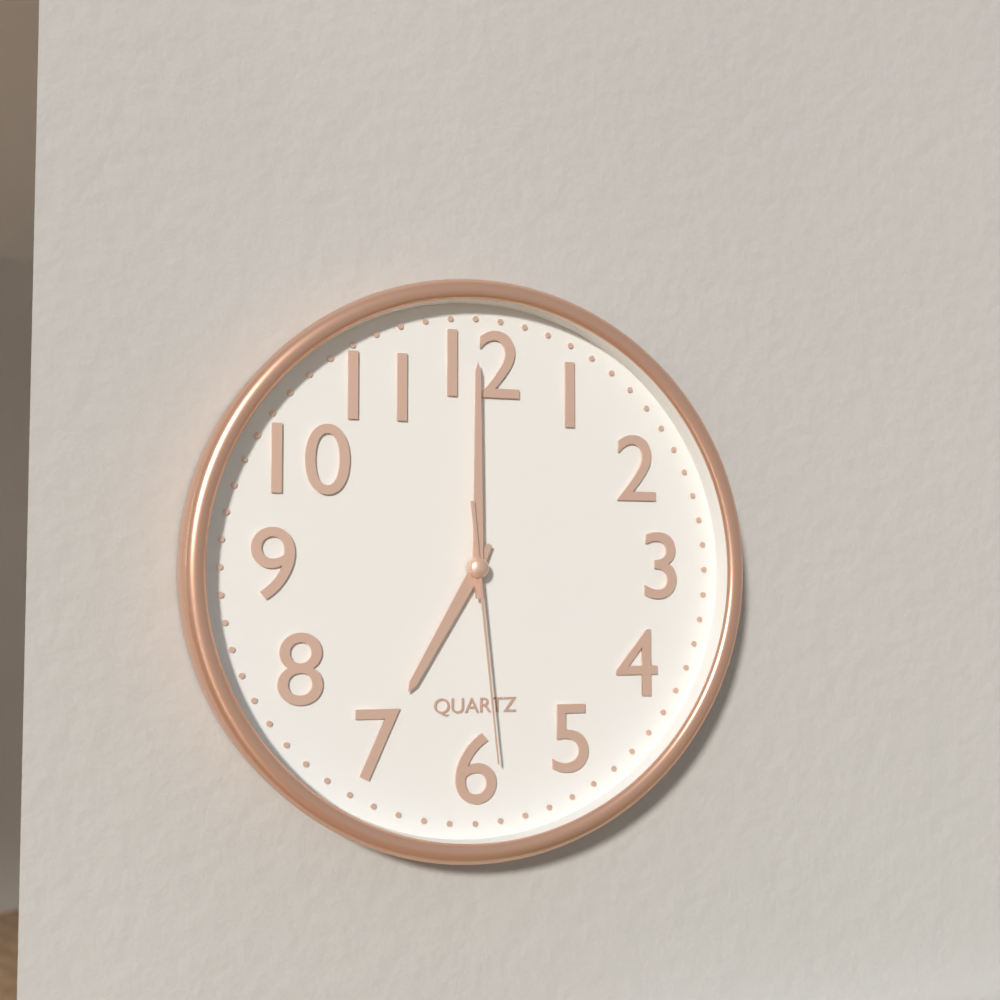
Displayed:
7.00.29
